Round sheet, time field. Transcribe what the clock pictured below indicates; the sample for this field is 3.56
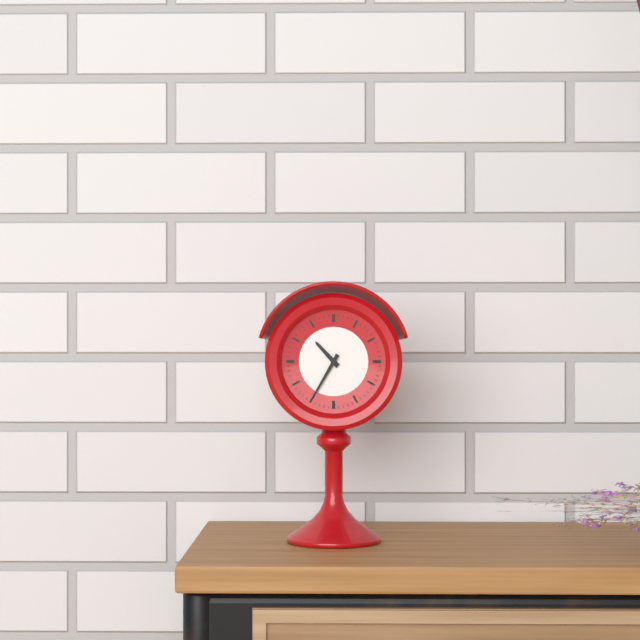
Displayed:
10.35
